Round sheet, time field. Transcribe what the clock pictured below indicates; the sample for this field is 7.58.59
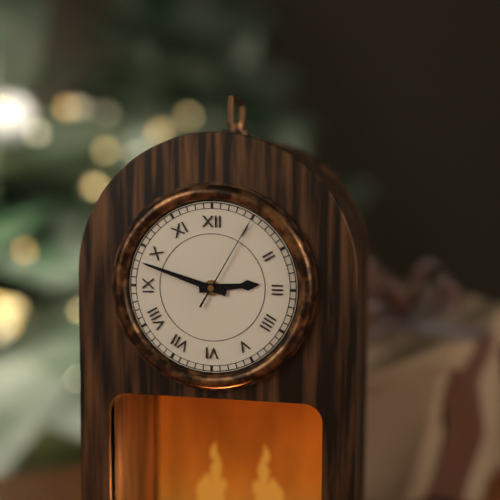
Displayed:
2.48.05
